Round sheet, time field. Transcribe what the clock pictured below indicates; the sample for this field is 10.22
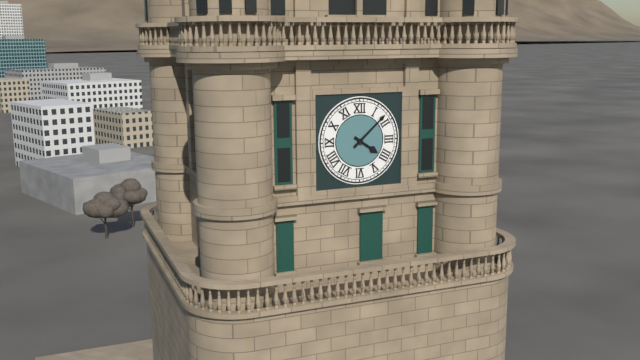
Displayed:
4.08
